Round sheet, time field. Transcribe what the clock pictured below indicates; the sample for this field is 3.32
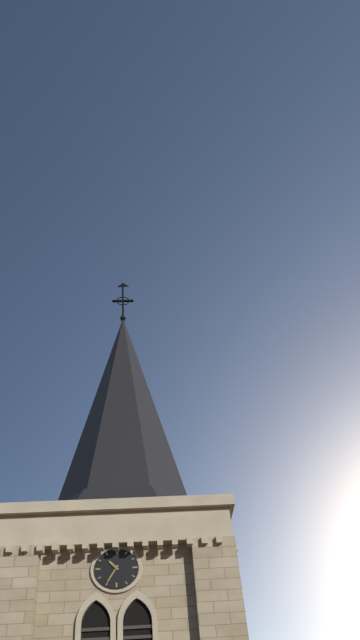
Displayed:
10.35
